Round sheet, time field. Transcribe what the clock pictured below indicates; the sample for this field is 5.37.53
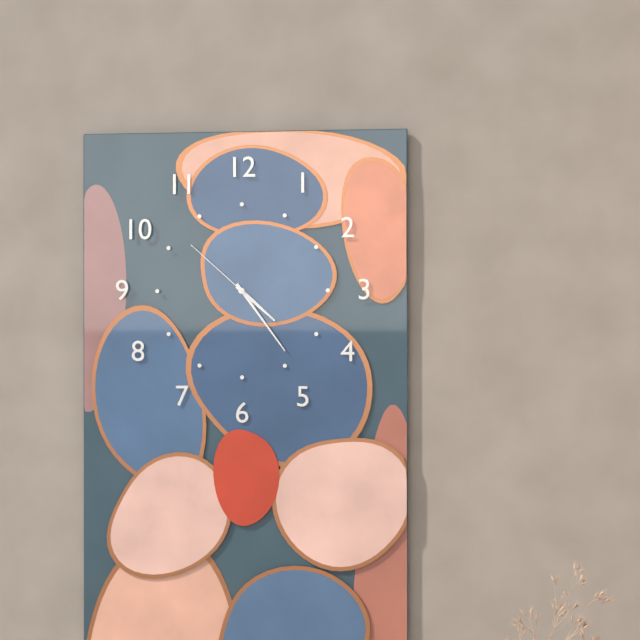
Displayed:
4.24.52
